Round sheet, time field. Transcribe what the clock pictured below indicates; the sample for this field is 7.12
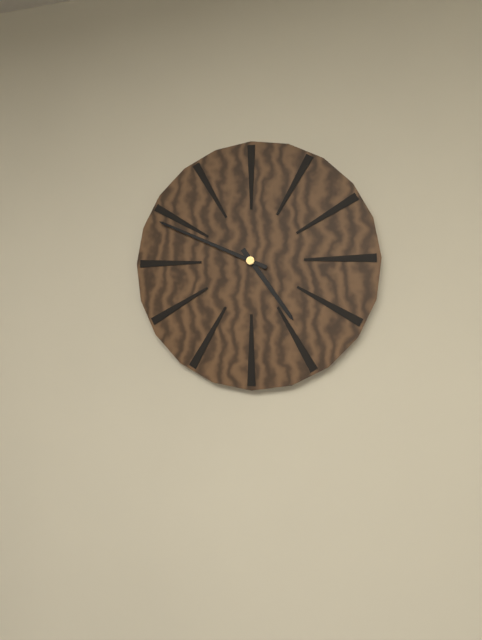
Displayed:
4.49
